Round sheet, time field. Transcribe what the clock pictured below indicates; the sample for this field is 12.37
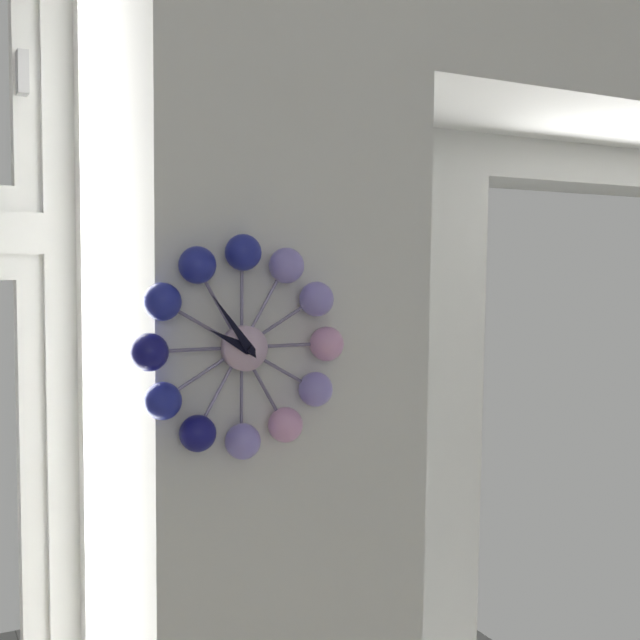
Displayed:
9.54
